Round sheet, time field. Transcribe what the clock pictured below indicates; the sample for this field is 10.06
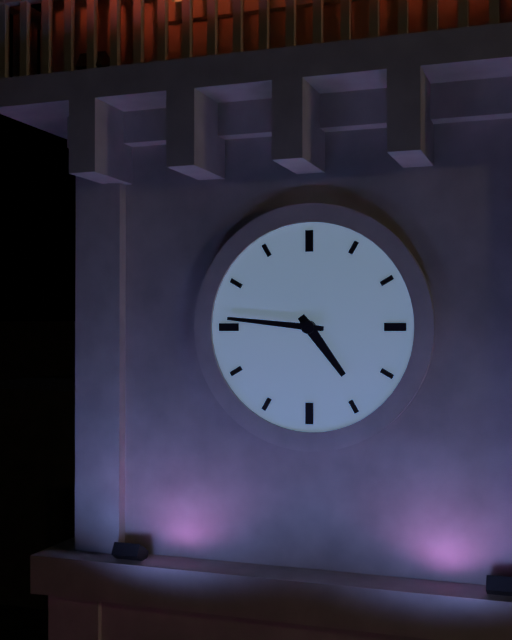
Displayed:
4.46
